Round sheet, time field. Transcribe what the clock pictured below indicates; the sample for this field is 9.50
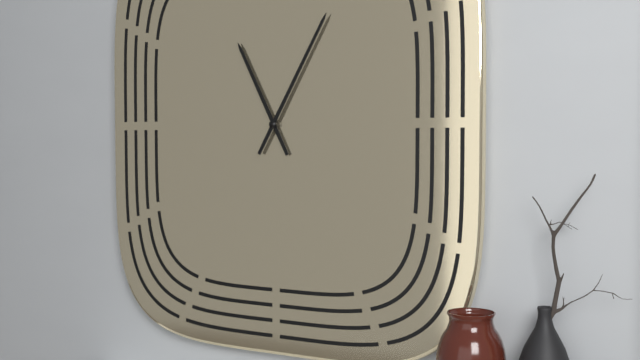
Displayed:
11.05
